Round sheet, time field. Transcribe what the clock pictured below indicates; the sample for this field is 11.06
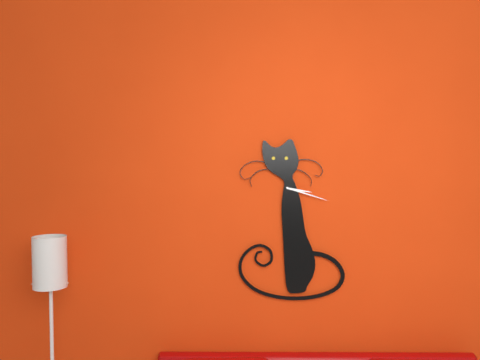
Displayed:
3.18
